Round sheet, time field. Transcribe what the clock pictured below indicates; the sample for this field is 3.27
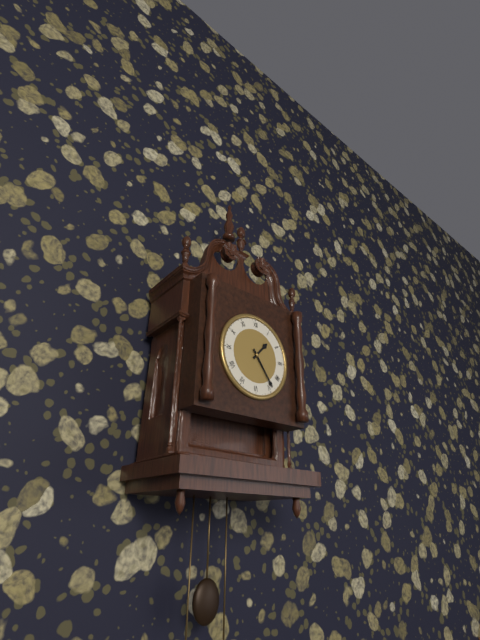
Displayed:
1.24
